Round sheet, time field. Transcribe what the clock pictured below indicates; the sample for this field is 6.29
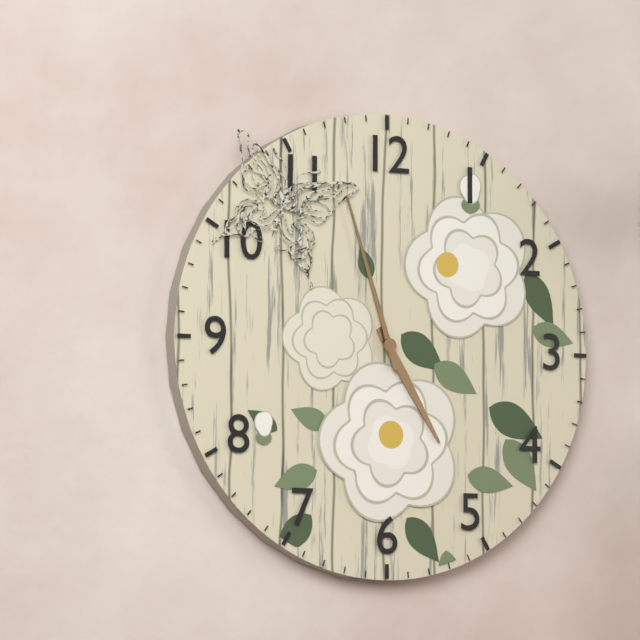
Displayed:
4.57
